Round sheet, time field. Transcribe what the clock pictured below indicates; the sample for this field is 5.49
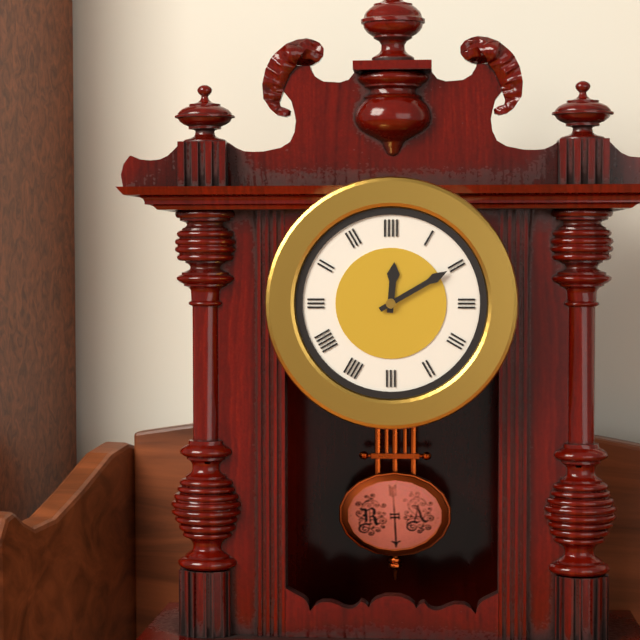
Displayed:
12.10
